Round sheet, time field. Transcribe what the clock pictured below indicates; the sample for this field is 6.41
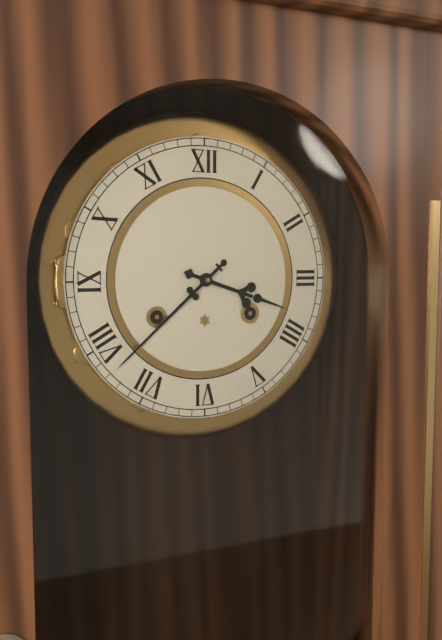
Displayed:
3.38
